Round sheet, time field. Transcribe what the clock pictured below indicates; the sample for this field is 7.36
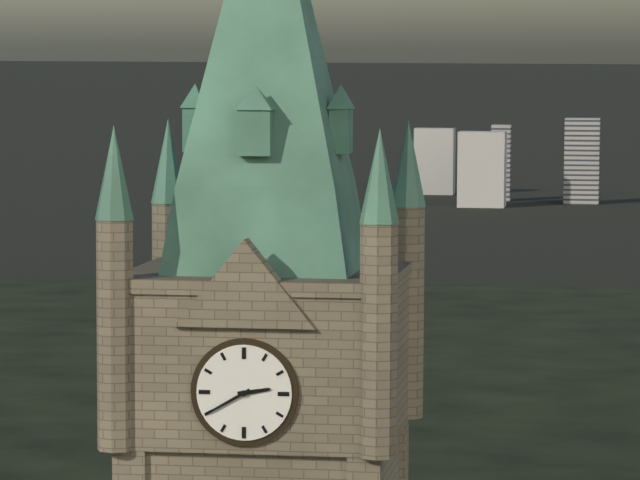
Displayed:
2.40
